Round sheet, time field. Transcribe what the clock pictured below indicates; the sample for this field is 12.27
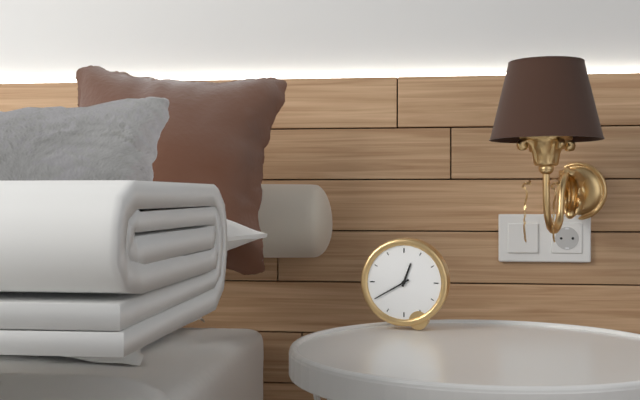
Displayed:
12.40
